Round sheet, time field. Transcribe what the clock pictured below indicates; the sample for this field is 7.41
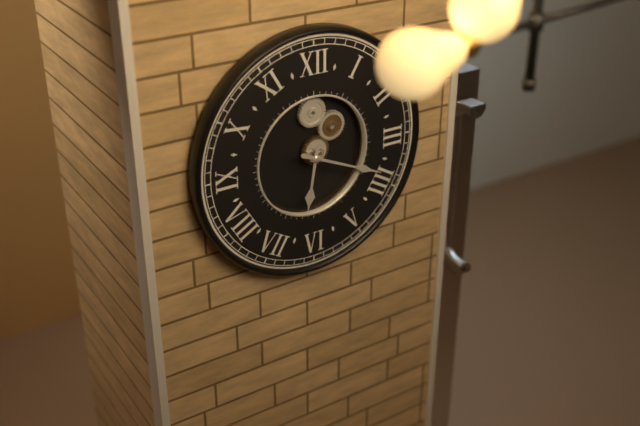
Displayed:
6.19
